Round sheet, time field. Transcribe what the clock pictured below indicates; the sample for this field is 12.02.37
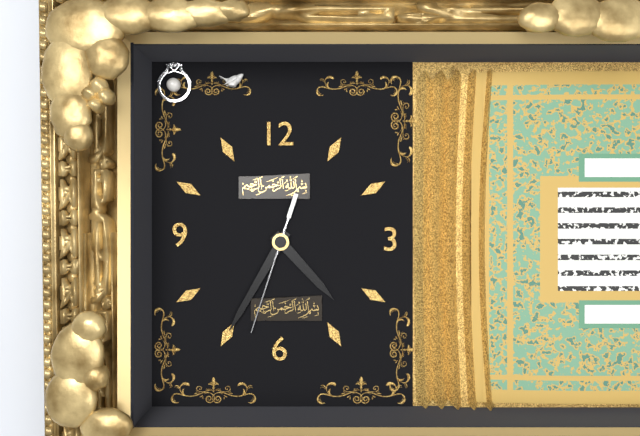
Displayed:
4.35.33
